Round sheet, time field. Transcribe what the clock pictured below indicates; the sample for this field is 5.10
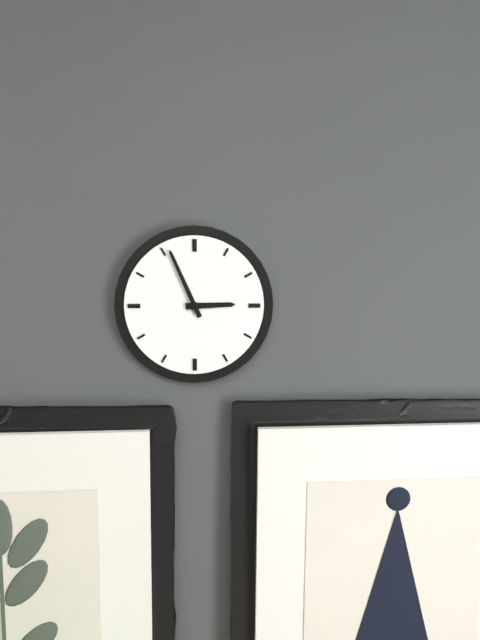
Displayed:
2.56
